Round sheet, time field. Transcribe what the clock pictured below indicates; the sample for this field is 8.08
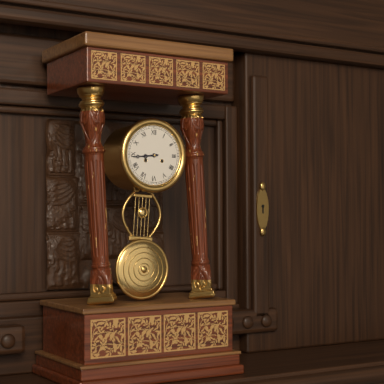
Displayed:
8.44
